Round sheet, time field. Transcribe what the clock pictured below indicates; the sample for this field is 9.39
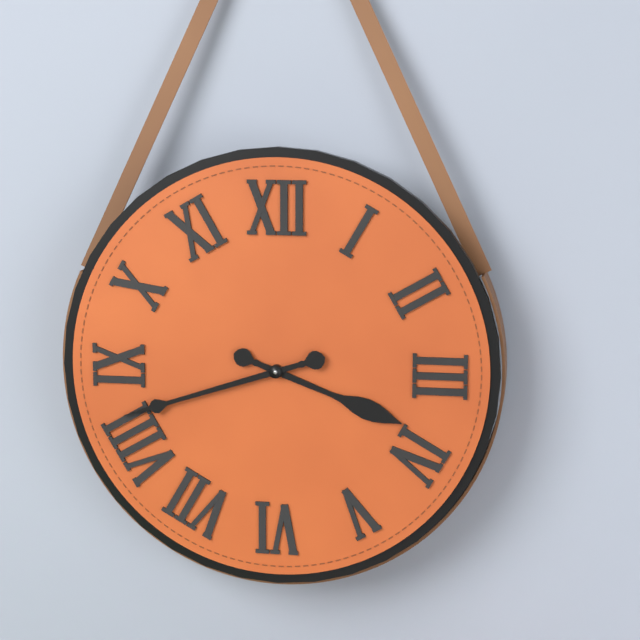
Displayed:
3.42
